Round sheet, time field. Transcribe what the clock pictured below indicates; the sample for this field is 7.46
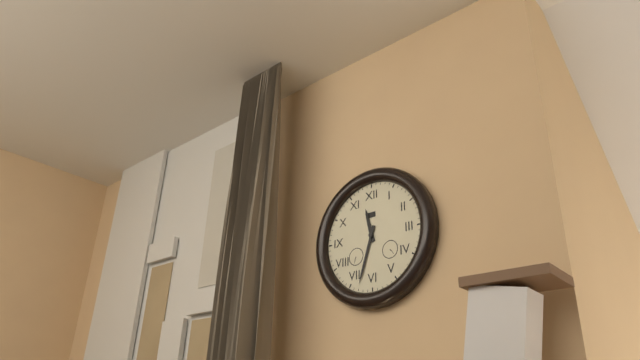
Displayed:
11.33
